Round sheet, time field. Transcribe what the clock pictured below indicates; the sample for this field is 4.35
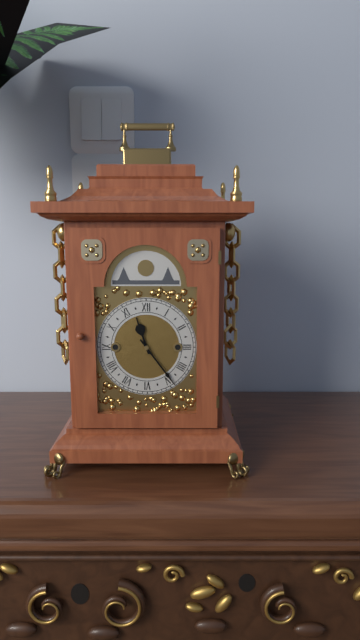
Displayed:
11.24
